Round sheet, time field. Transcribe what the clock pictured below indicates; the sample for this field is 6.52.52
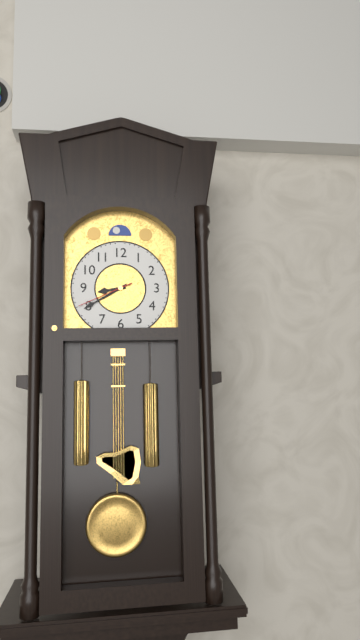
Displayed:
8.40.41
